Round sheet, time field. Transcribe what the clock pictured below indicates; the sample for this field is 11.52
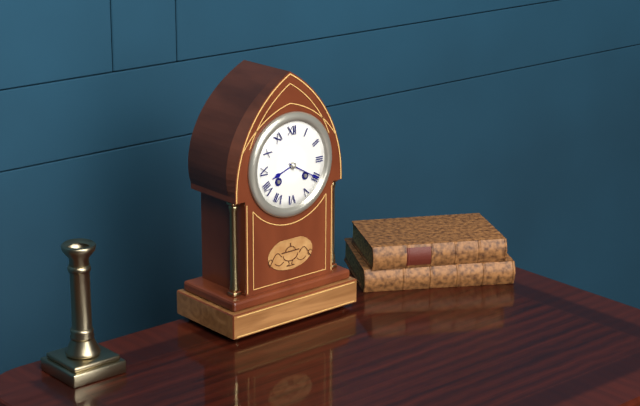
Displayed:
8.20
